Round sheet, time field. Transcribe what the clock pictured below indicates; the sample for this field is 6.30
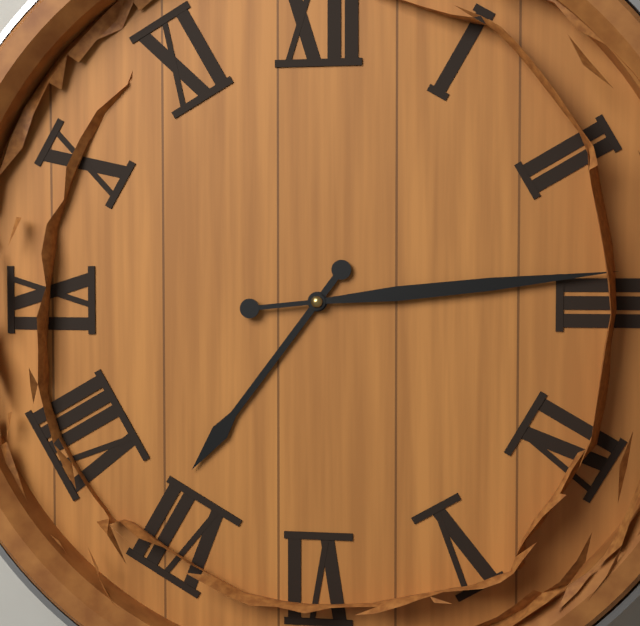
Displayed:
7.14
